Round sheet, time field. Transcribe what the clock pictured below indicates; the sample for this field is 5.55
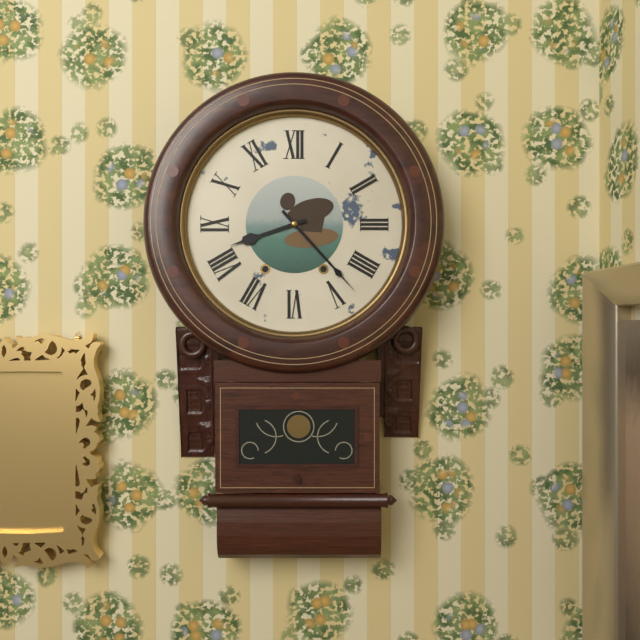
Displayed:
8.23
